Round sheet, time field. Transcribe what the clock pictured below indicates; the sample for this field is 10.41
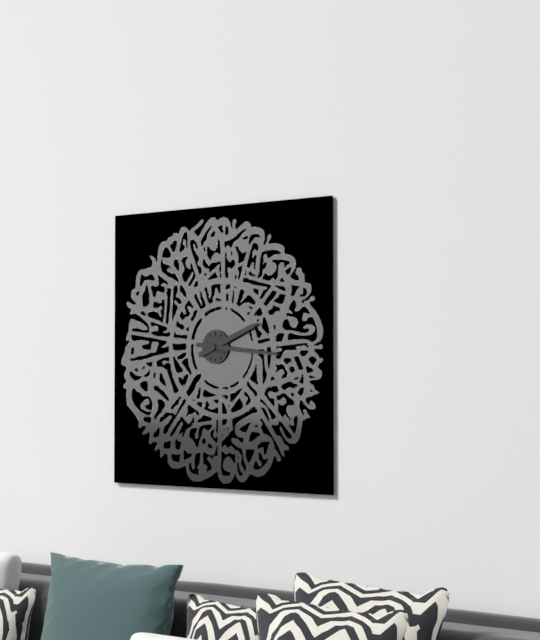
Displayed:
2.16
